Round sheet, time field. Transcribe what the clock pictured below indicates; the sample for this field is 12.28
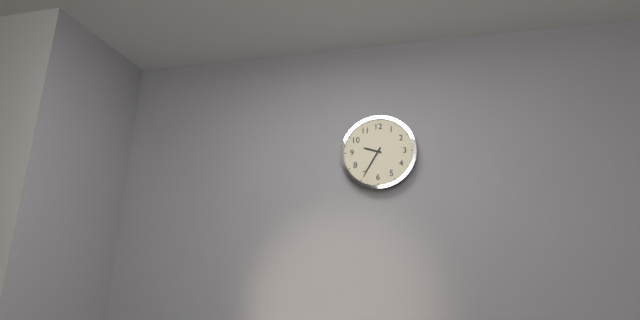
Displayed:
9.35
